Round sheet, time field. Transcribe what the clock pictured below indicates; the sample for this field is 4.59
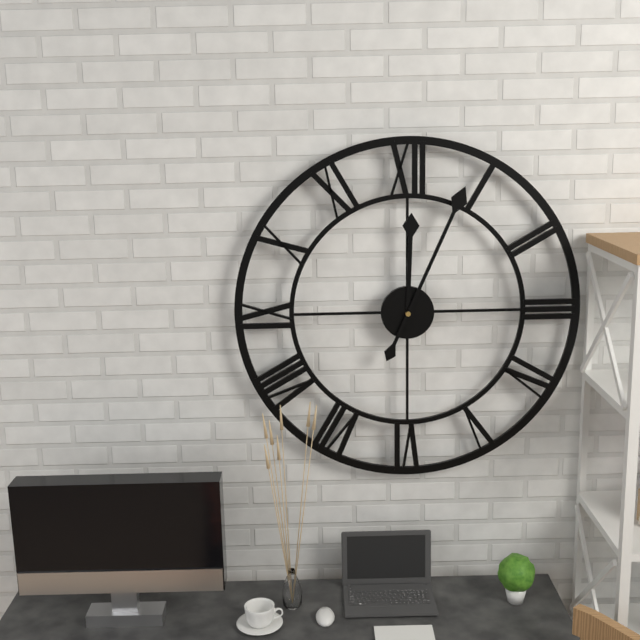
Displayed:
12.04
